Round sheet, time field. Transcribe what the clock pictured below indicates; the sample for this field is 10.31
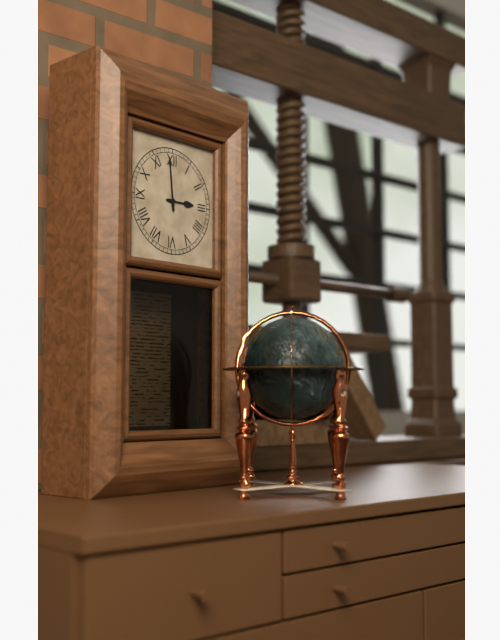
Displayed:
2.59
